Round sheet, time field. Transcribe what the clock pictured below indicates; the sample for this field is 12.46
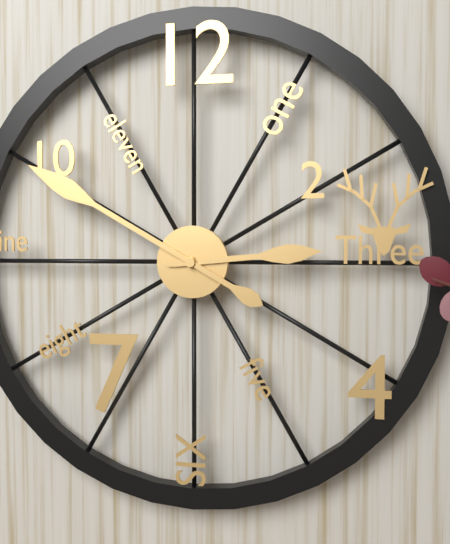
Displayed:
2.50
